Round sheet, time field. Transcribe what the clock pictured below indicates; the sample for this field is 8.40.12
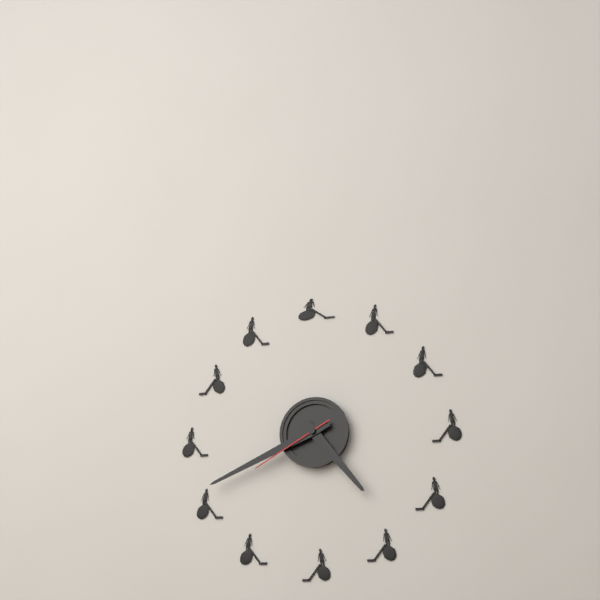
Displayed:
4.41.40
